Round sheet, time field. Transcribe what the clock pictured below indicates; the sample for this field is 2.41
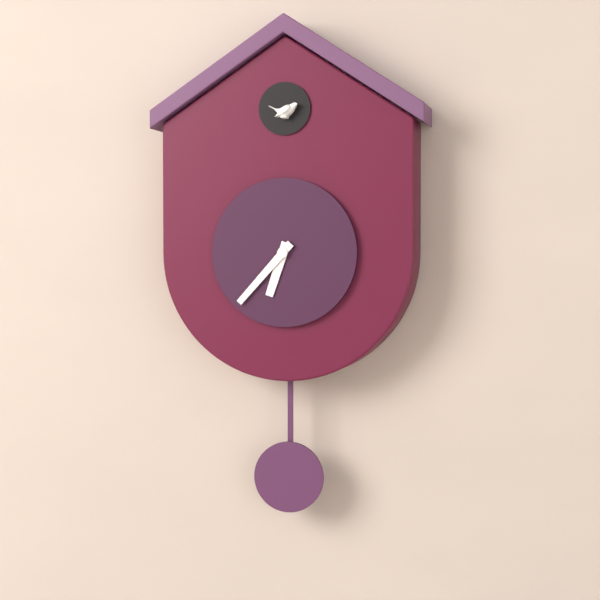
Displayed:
6.37
